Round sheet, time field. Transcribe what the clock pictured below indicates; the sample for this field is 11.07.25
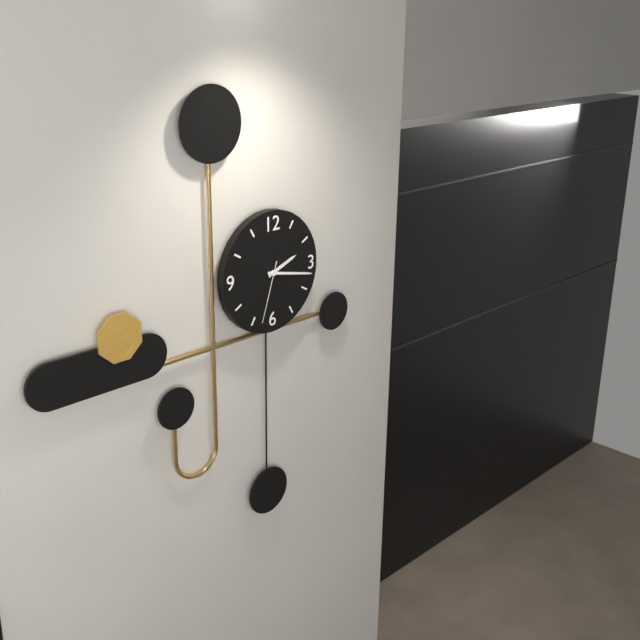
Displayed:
2.17.33
